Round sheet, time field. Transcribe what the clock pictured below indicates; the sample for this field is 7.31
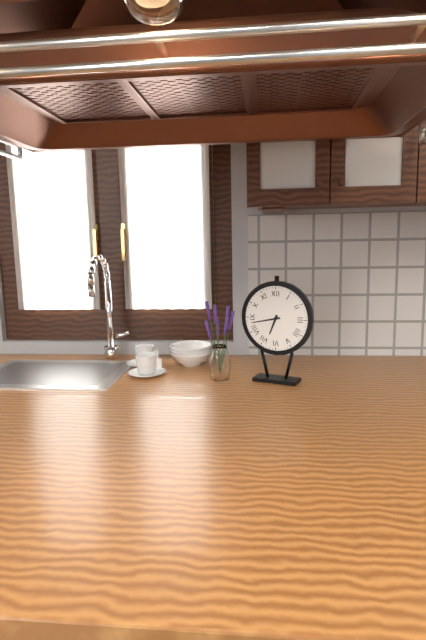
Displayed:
6.43
